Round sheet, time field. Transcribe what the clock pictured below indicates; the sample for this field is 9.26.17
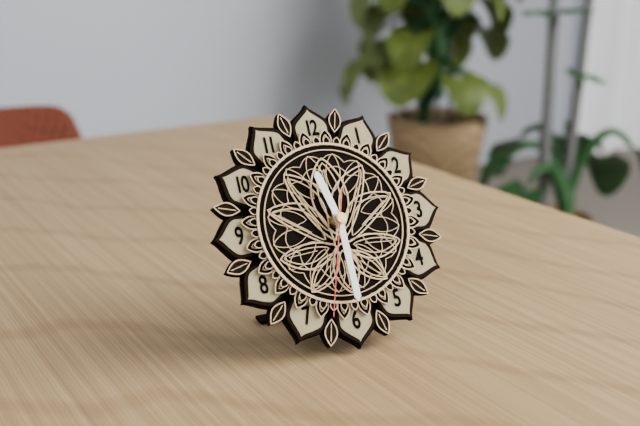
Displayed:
11.30.33
